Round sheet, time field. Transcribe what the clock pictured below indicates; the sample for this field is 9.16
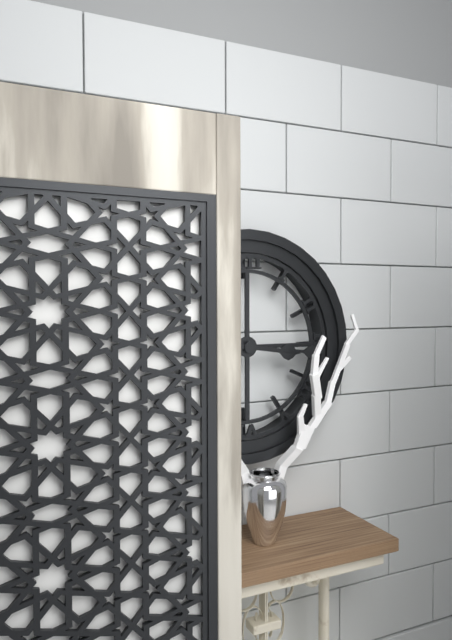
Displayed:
3.16
